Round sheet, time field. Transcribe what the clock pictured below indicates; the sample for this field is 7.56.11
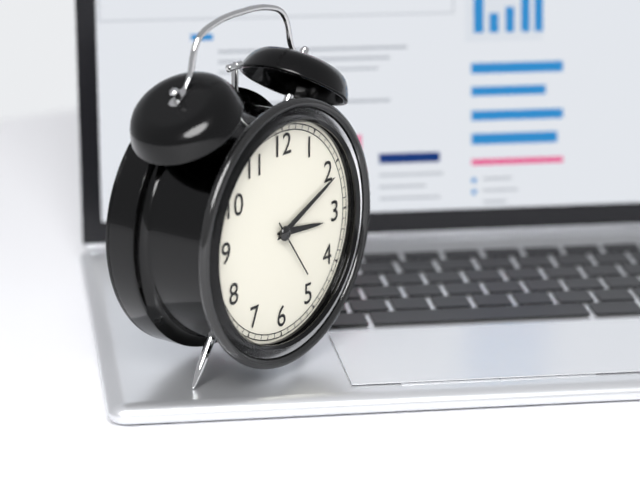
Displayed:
3.11.24
